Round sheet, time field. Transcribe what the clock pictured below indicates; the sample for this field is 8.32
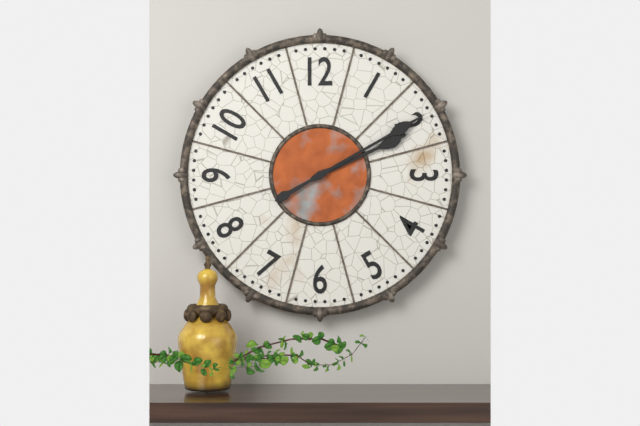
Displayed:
2.10
